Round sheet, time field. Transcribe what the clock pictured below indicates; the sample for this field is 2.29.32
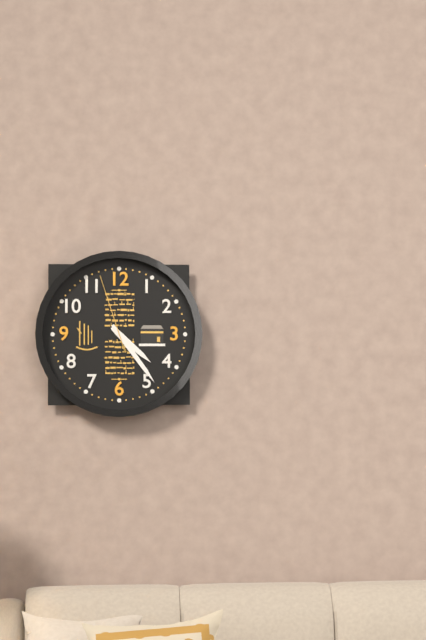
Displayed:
4.24.57
